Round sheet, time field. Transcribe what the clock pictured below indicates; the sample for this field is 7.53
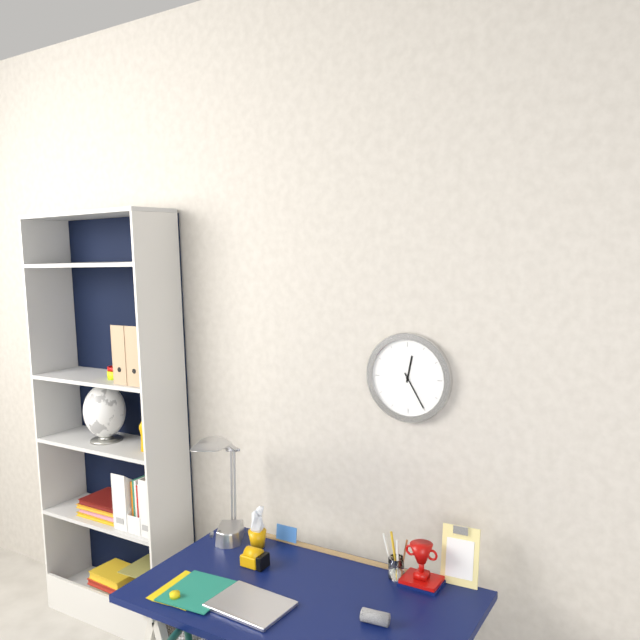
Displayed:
12.25
